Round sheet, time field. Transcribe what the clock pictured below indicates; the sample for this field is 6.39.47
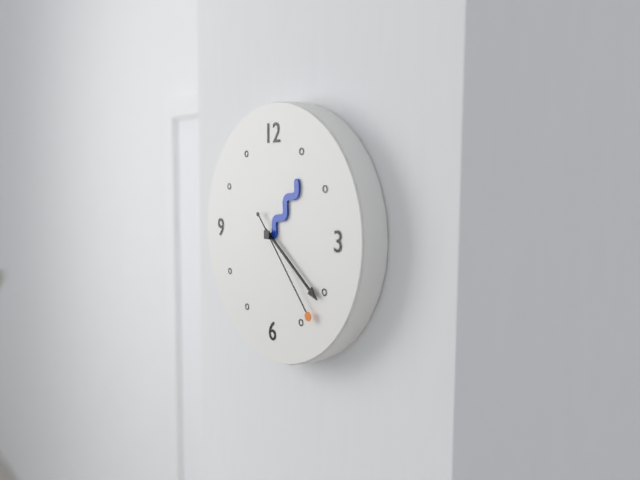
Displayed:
1.21.23
